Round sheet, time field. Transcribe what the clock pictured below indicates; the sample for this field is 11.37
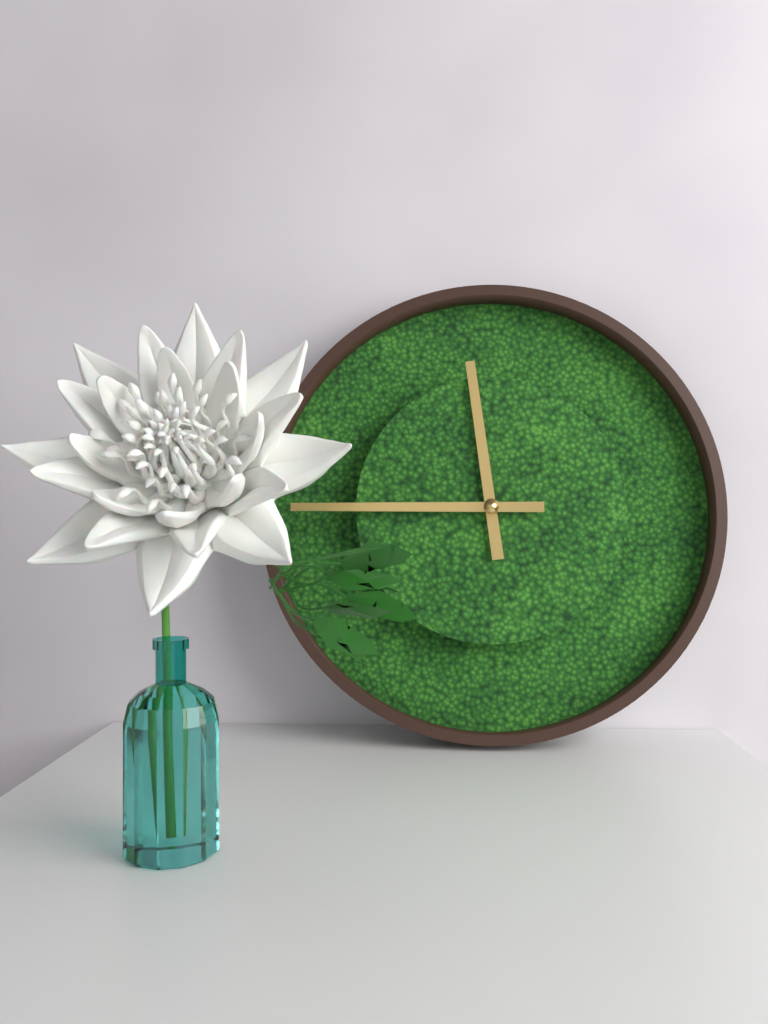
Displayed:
11.45
